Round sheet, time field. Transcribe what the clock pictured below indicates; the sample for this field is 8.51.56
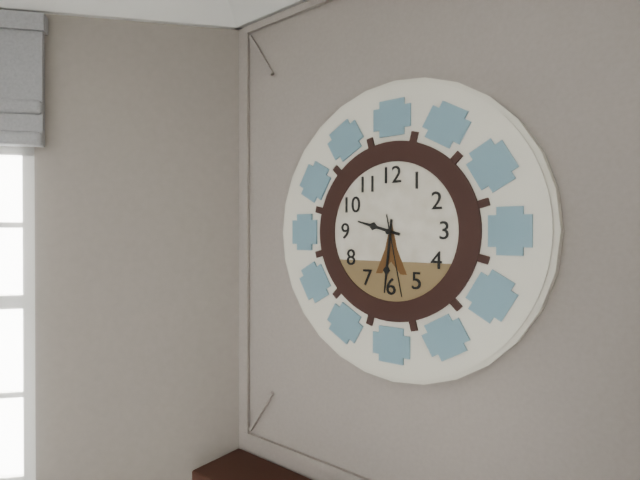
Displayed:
9.31.28
